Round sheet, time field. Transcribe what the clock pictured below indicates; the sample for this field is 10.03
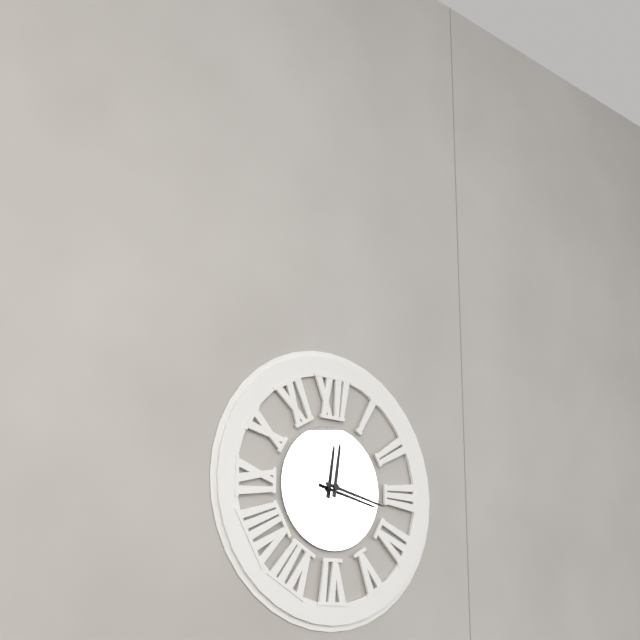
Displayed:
12.17
